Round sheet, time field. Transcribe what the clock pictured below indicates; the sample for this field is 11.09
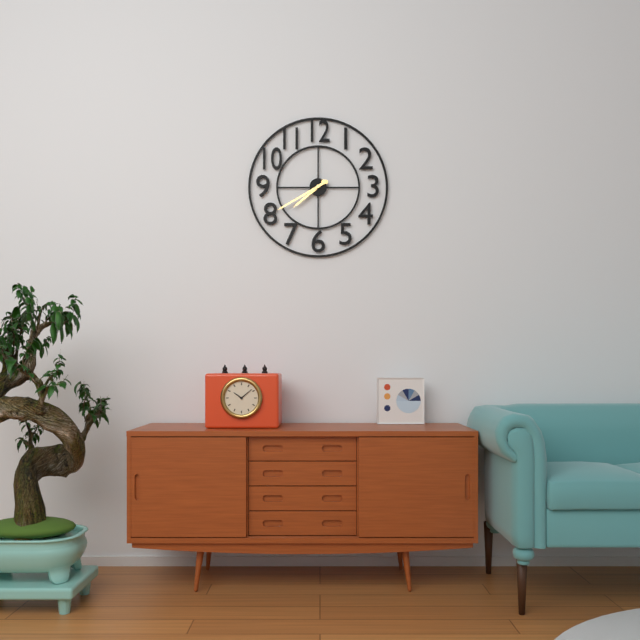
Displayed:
7.40
